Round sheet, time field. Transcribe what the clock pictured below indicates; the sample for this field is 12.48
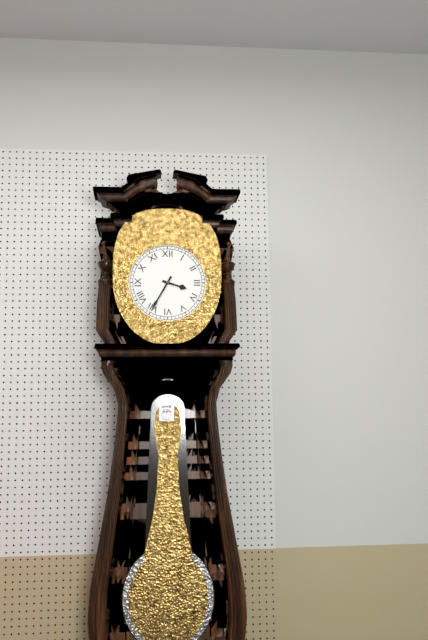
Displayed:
3.35
